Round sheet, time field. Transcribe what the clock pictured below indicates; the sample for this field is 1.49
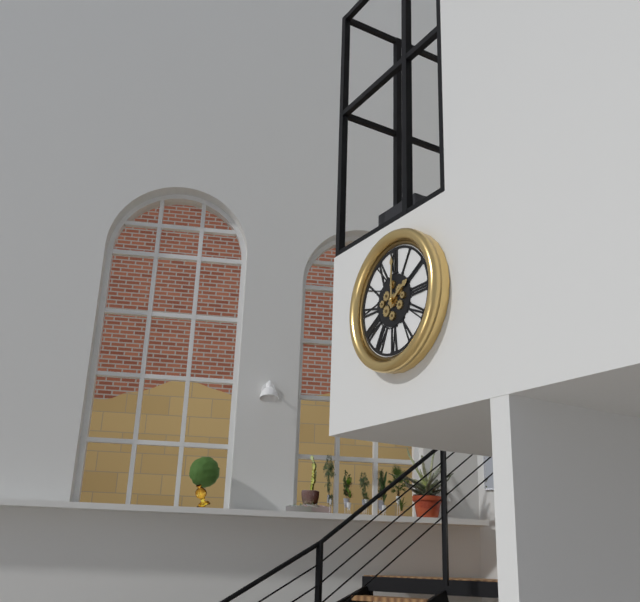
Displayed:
2.00
